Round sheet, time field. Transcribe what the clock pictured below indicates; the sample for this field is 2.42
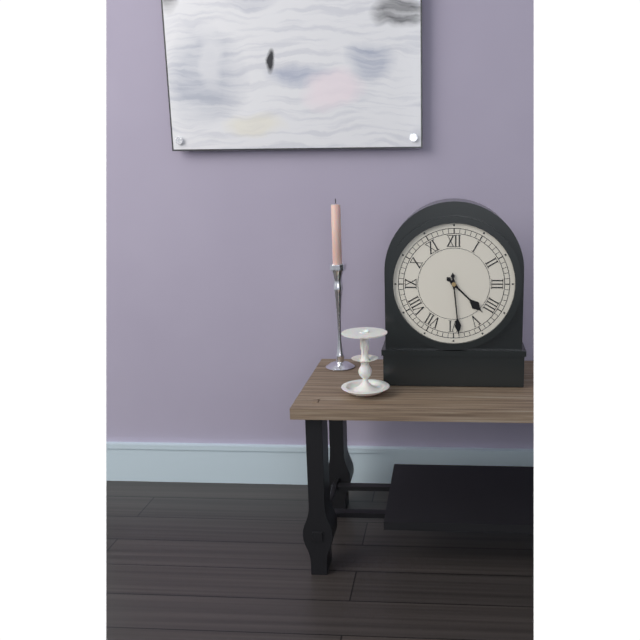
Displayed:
4.29
